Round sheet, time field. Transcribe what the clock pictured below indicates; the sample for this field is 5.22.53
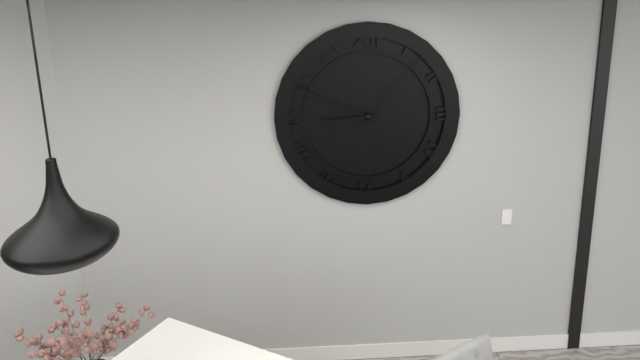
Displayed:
8.49.07
